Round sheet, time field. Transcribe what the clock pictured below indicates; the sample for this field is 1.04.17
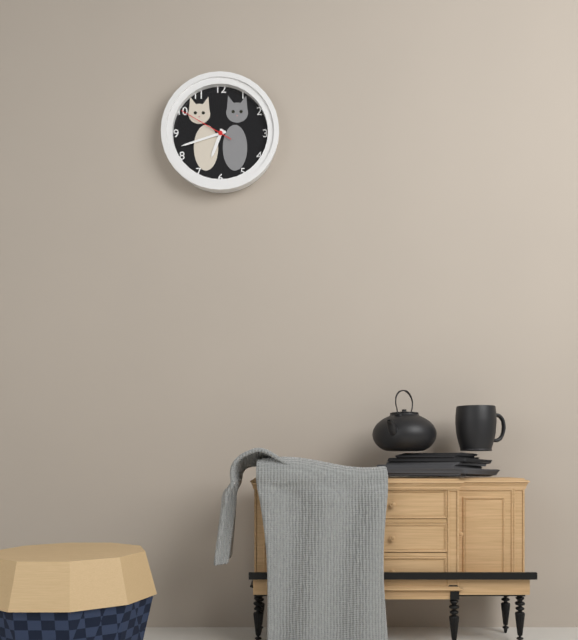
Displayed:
6.42.50
